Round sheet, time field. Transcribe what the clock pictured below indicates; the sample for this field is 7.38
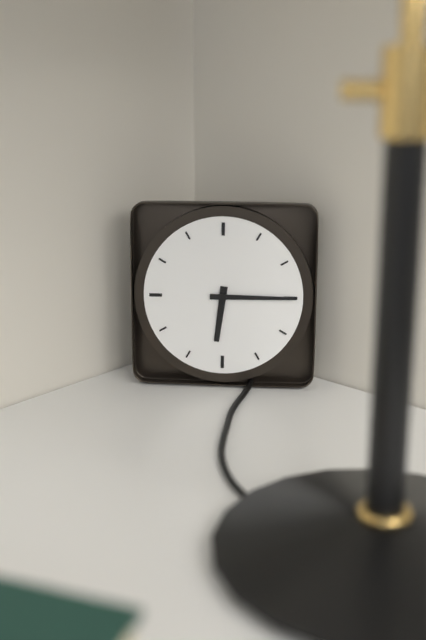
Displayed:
6.15
